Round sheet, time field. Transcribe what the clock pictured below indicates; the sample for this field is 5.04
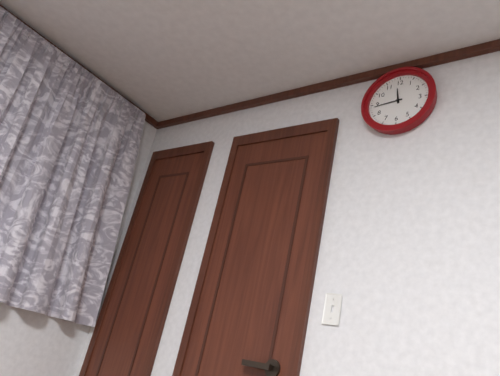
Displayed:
11.44
